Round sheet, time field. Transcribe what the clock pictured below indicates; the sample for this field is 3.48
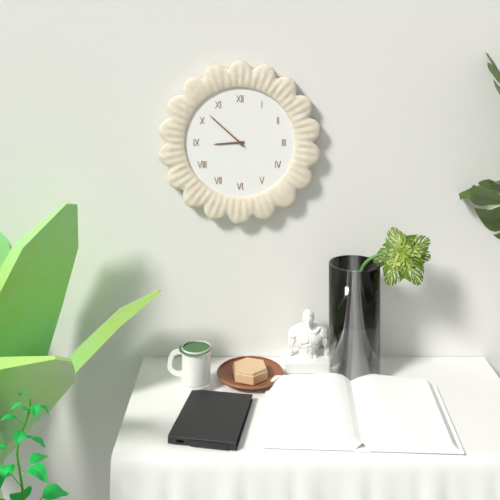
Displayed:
8.52
